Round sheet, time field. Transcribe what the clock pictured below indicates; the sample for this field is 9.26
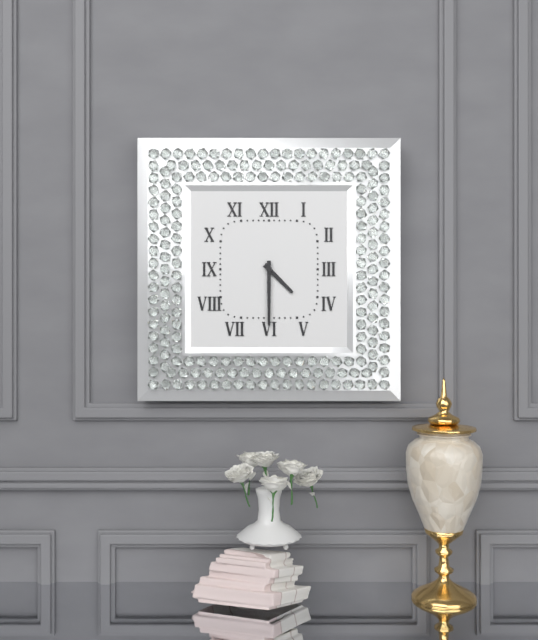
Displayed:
4.30
